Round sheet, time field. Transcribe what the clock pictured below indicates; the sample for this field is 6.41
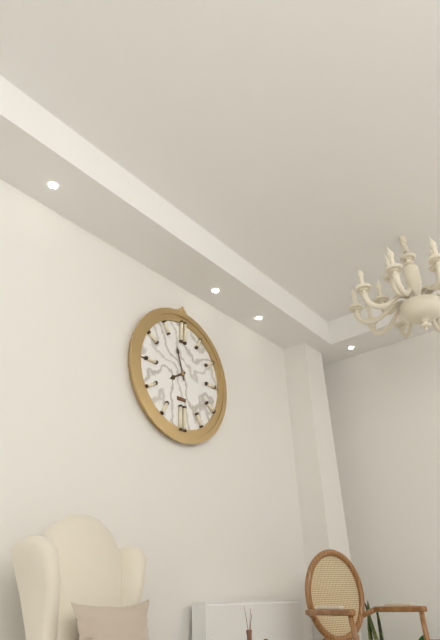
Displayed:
7.57
